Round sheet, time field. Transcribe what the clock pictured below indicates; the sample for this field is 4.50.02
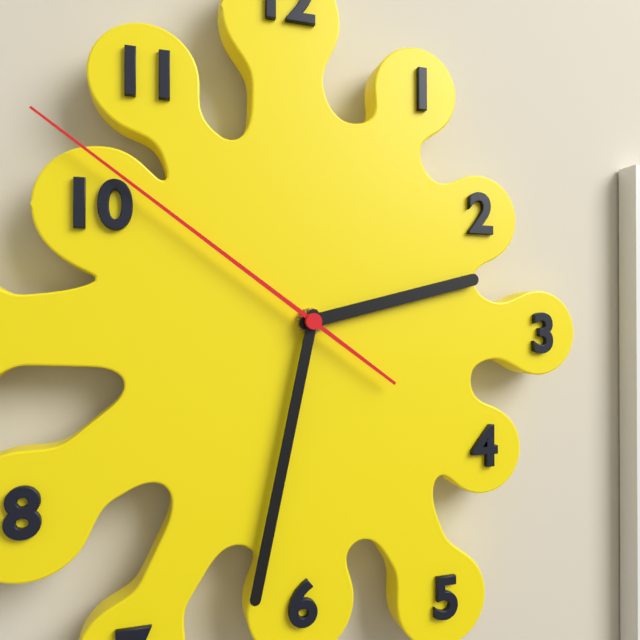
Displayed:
2.32.51
